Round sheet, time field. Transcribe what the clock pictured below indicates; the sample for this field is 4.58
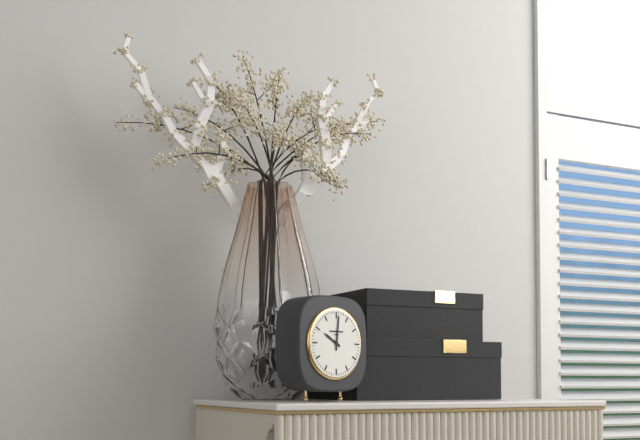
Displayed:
10.01
